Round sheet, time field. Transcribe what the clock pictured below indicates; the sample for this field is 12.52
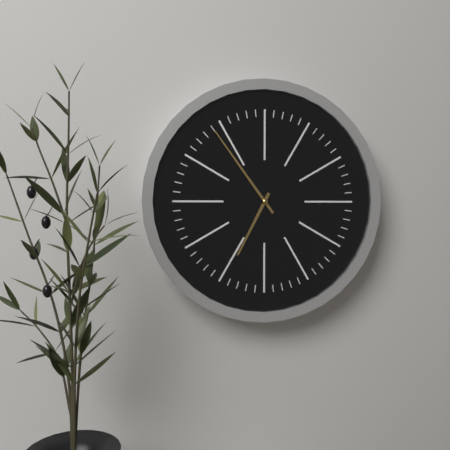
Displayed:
6.54
